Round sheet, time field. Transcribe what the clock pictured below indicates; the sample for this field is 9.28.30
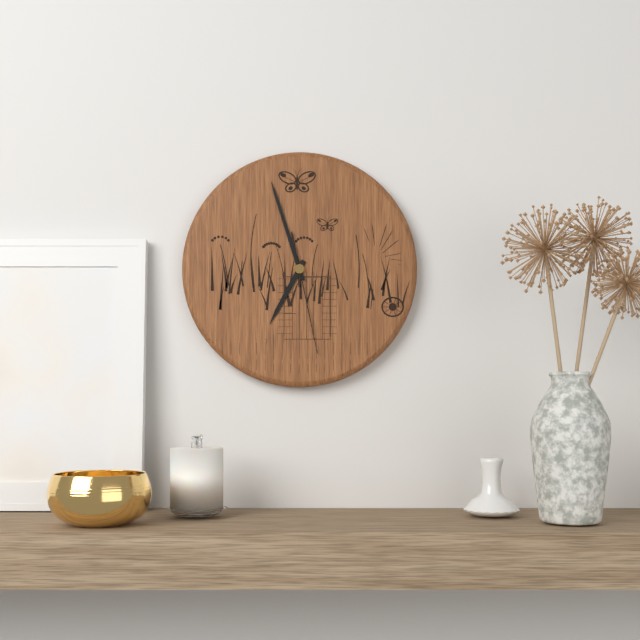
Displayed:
6.57.28
